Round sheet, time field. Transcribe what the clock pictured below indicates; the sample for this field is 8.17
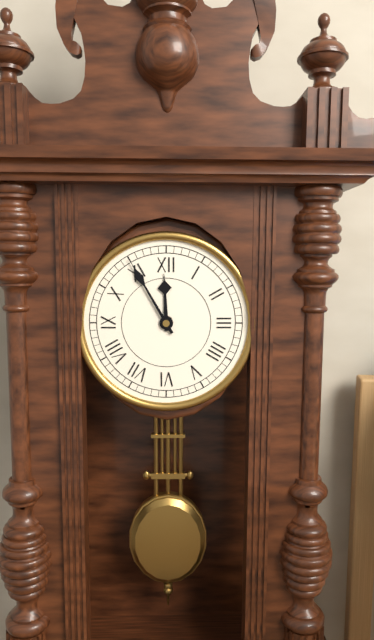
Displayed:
11.55
